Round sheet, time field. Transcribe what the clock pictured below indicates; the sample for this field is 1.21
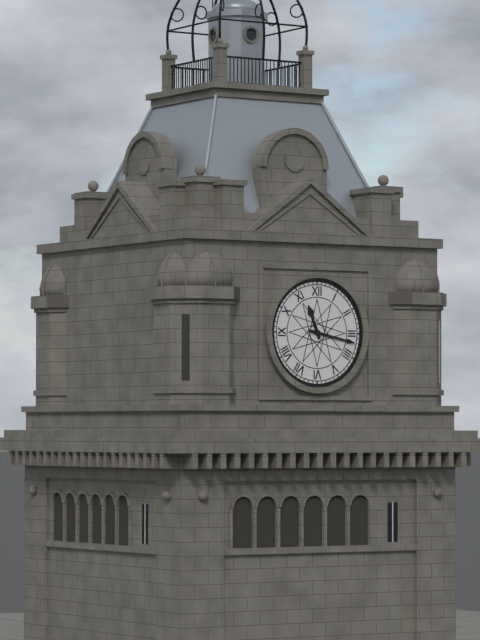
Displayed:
11.17
